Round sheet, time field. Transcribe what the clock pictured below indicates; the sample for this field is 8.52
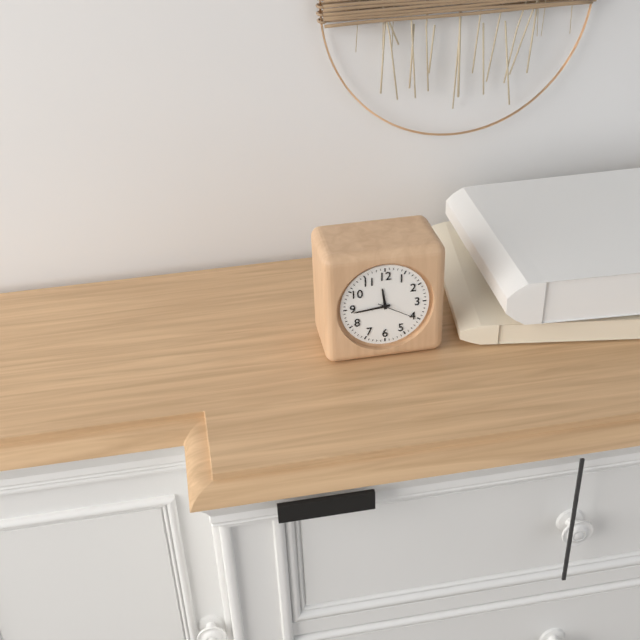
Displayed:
11.44
